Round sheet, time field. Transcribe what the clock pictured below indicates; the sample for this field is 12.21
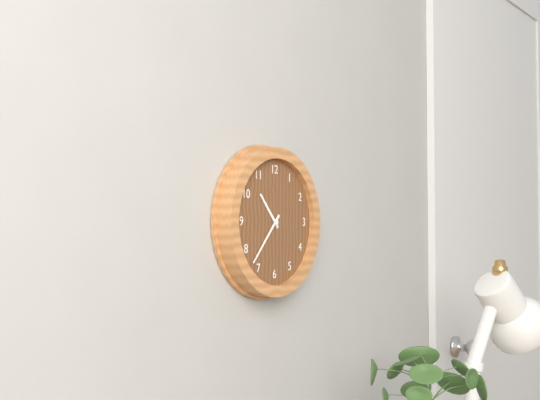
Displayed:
10.37
